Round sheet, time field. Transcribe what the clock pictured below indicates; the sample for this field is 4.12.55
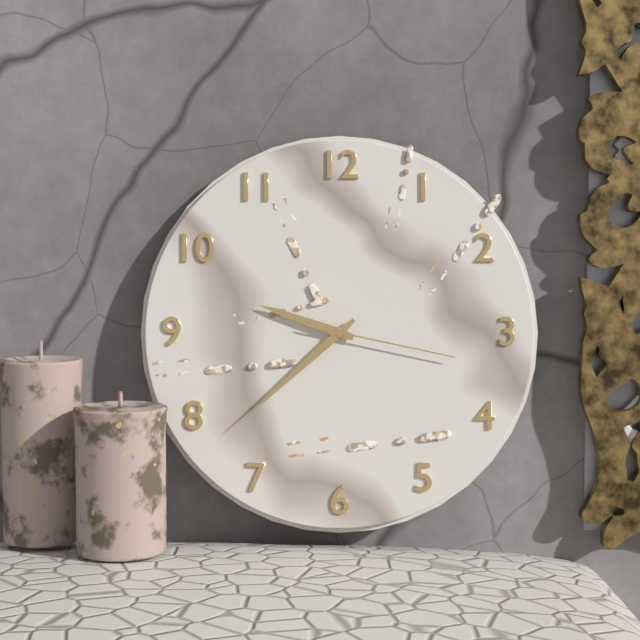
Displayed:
9.38.17
